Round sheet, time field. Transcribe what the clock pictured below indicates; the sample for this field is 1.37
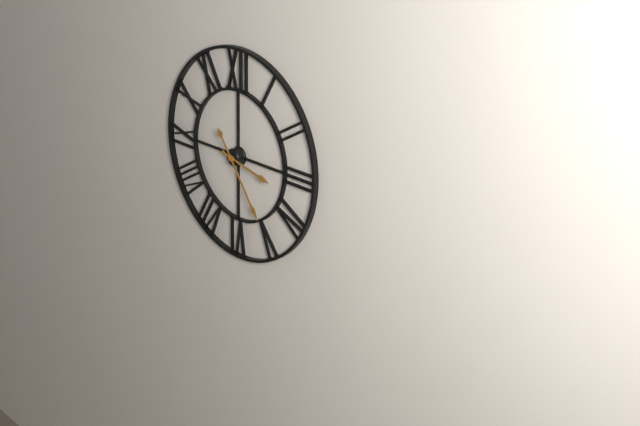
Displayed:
3.24
